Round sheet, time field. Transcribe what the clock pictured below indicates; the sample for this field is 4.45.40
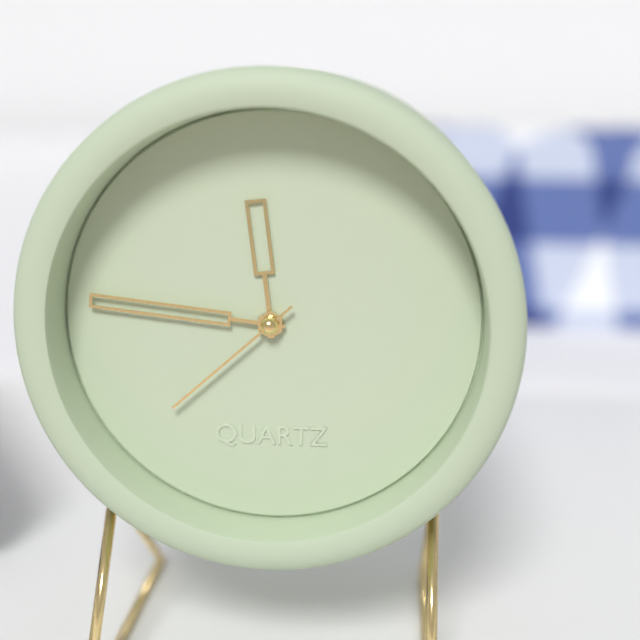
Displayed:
11.46.38
